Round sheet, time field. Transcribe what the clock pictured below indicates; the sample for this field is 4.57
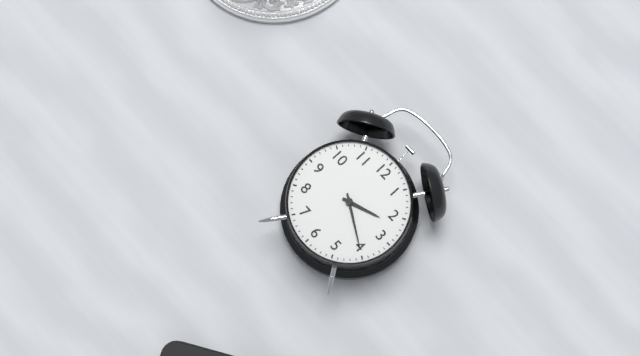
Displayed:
2.20
